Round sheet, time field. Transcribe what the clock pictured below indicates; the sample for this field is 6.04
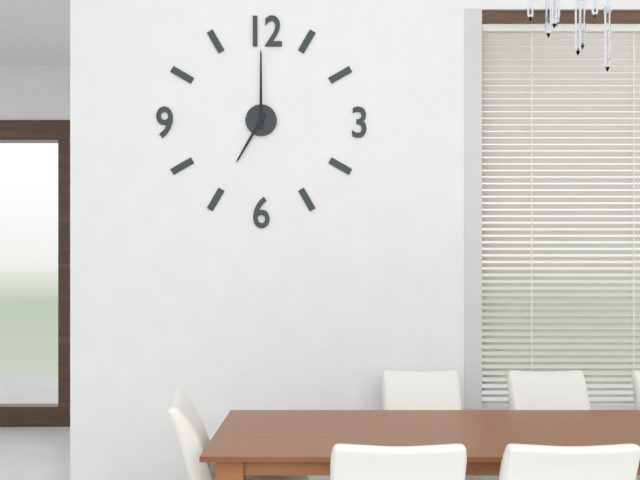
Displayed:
7.00
